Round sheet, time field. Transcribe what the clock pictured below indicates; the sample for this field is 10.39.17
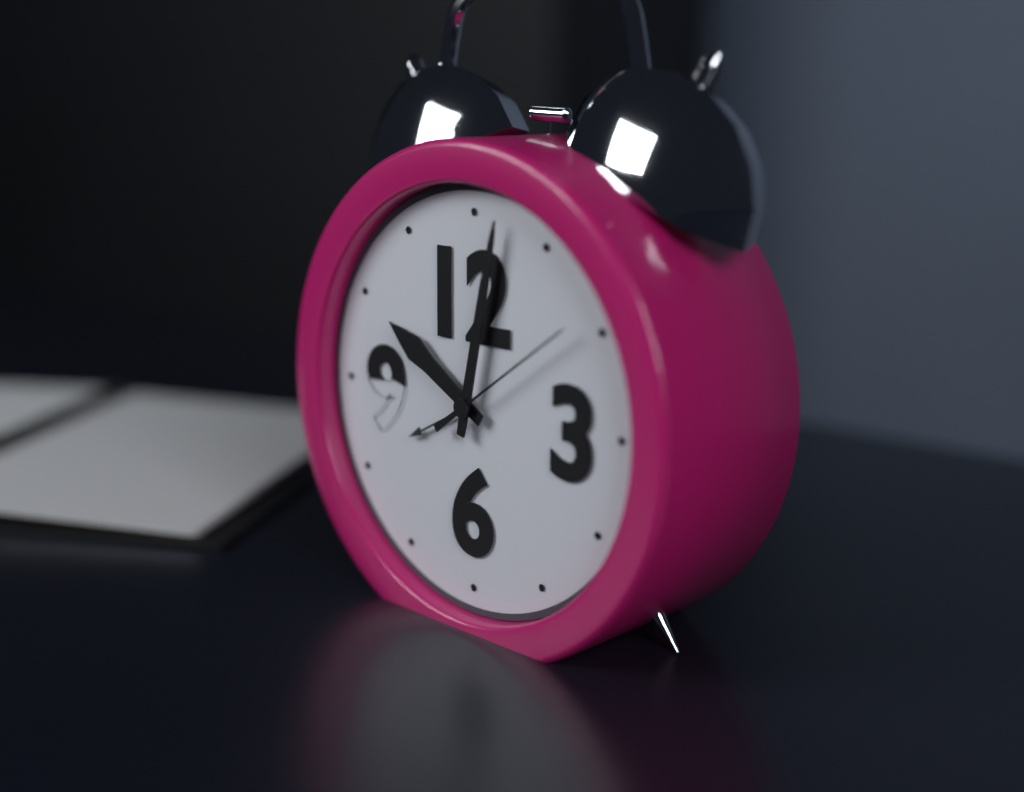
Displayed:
10.02.09
